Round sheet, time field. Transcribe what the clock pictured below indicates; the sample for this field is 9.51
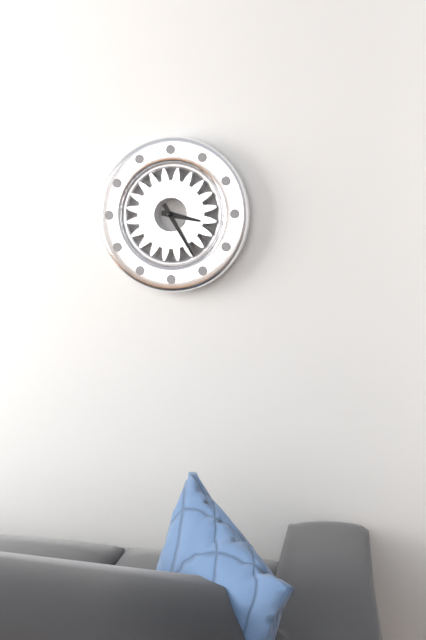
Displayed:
3.25
